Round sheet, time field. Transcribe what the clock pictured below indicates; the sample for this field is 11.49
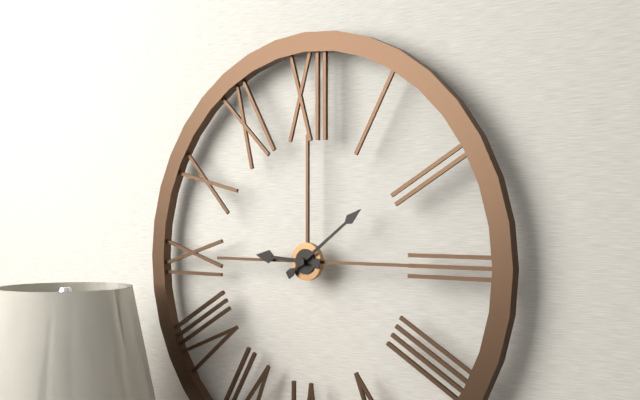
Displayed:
9.09
